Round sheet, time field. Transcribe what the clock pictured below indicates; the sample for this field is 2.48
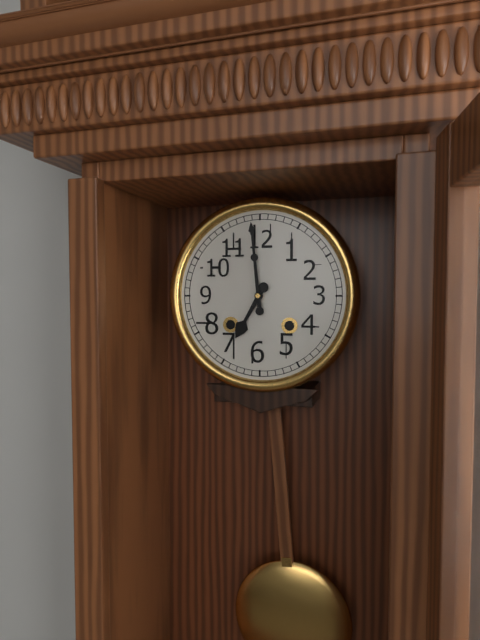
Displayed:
6.59
